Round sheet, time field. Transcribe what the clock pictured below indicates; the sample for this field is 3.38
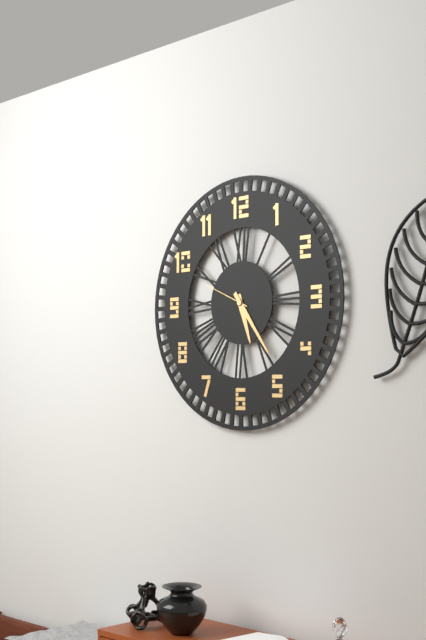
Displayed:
5.24
